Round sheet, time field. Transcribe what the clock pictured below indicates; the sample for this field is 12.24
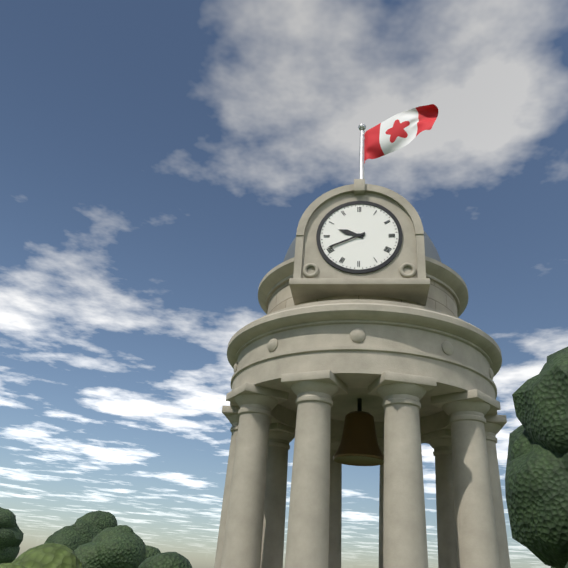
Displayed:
9.41
